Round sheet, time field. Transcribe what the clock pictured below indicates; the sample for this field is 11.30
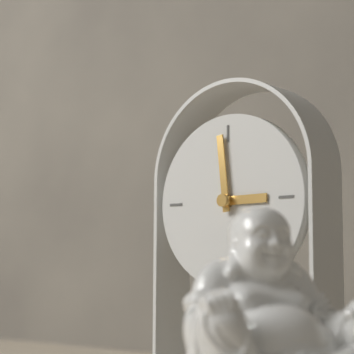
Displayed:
2.59
